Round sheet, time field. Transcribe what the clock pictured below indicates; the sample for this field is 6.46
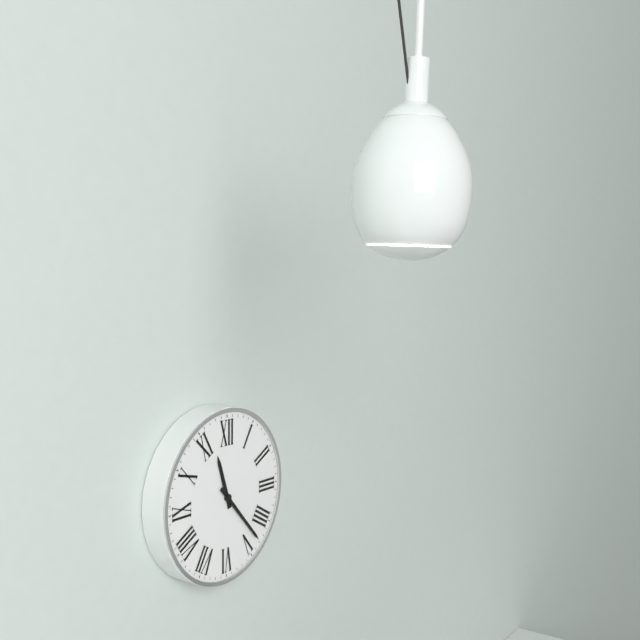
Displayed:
11.23
